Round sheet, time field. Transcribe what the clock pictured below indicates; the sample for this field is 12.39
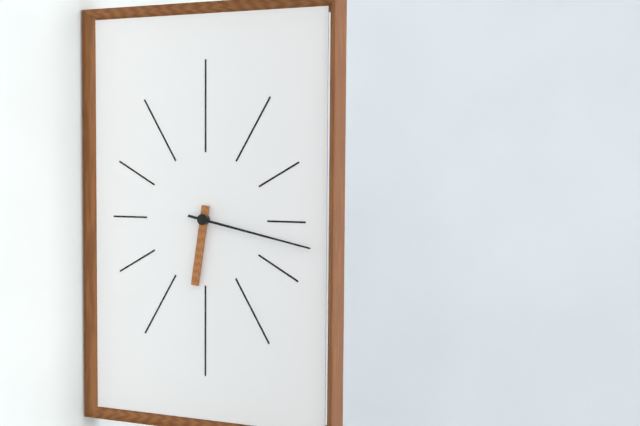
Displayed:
6.17
